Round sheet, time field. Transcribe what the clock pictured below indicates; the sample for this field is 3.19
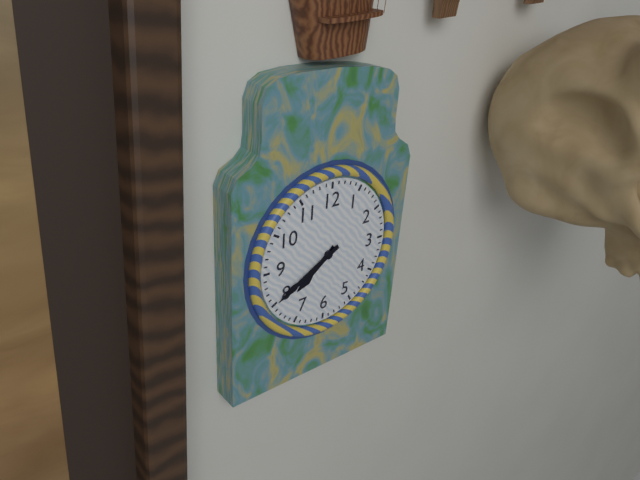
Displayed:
7.40
